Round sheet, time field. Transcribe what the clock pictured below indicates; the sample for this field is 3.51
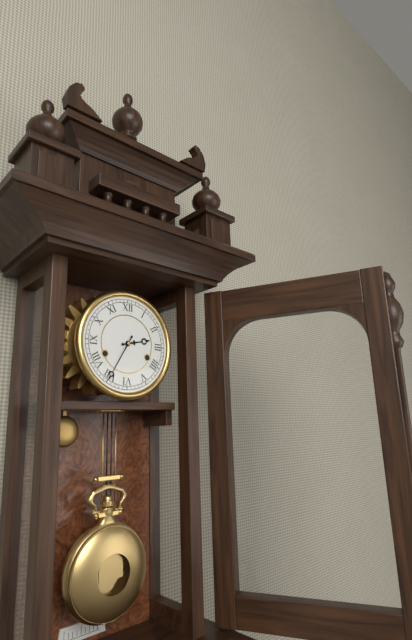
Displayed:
2.35
